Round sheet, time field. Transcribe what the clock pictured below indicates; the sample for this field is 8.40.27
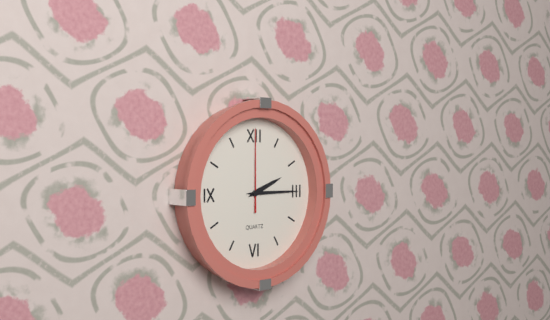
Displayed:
2.15.00
